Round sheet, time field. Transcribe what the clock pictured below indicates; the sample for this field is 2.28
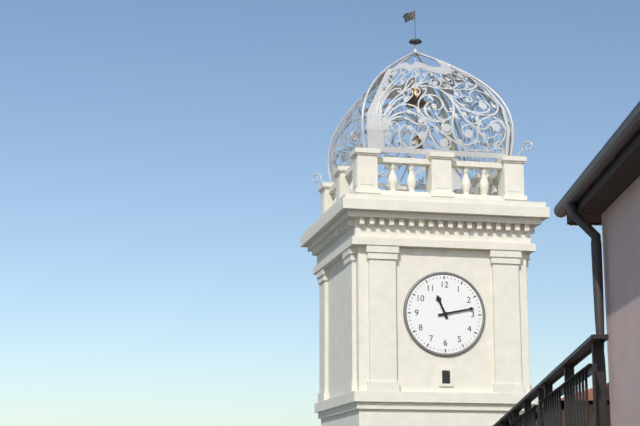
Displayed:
11.13
